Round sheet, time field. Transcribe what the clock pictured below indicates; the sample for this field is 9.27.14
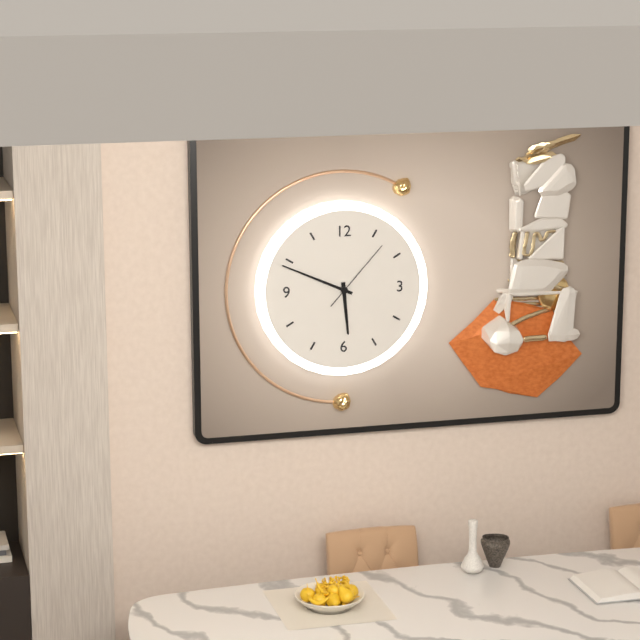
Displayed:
5.49.07
